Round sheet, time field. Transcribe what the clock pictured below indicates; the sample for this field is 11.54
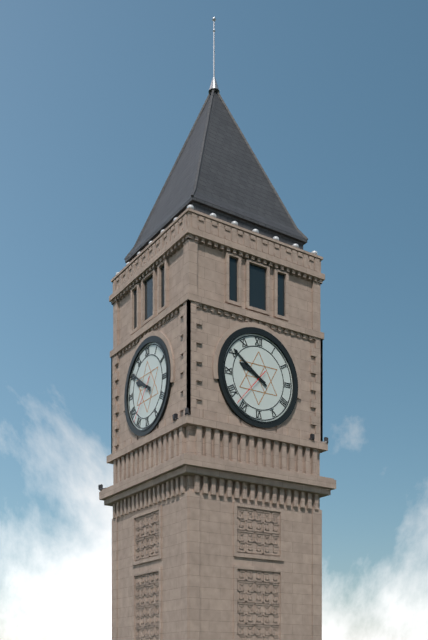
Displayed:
9.51
